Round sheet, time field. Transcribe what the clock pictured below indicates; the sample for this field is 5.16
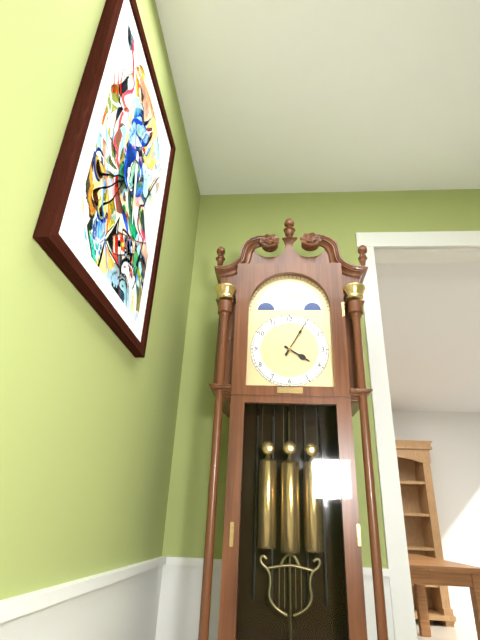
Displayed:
4.05
